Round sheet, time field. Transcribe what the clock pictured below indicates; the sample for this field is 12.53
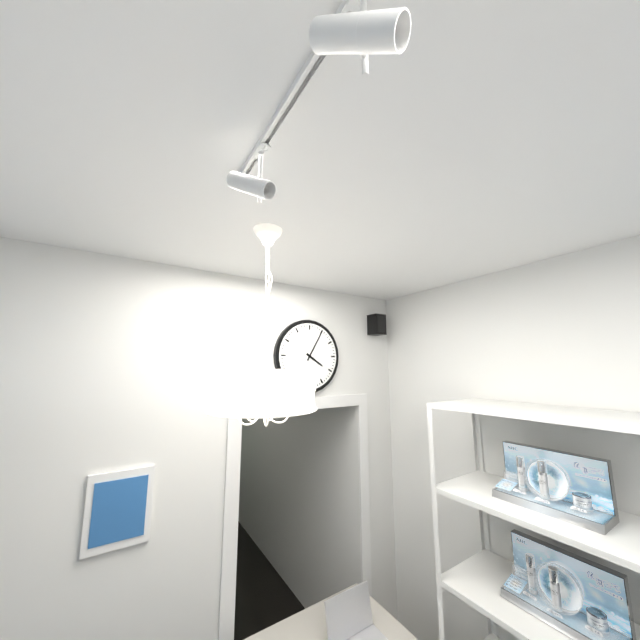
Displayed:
4.05
